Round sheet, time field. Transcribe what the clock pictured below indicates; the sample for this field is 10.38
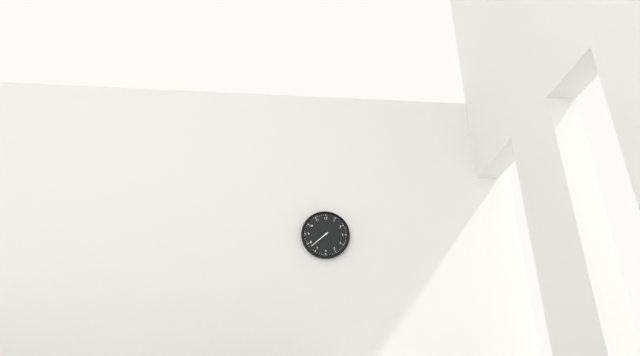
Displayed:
7.38
